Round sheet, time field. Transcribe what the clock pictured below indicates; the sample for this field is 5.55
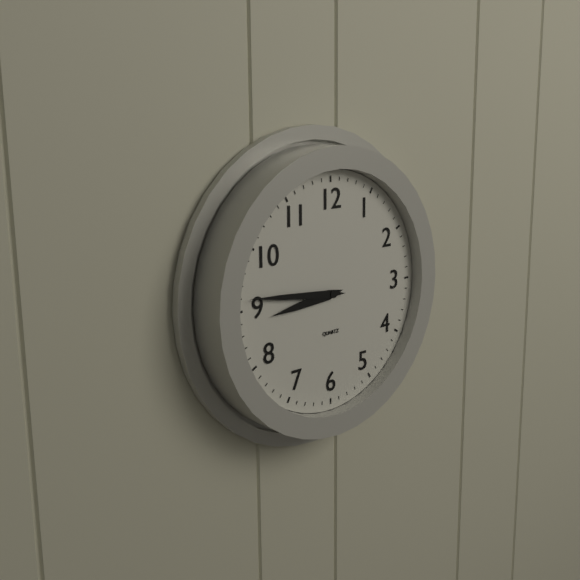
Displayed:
8.46
